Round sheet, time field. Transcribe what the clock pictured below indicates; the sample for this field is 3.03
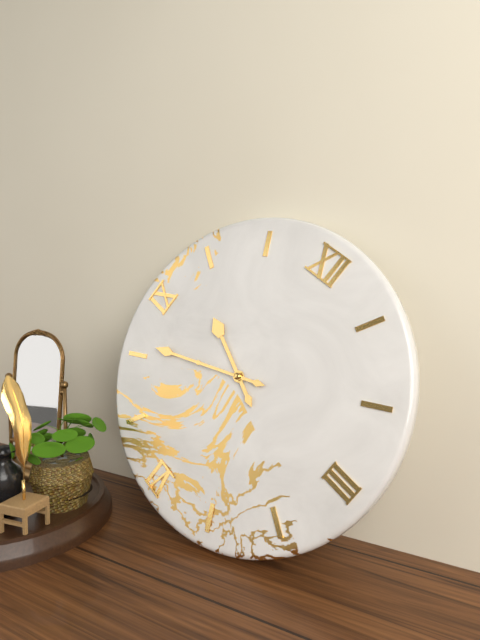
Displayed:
9.41
